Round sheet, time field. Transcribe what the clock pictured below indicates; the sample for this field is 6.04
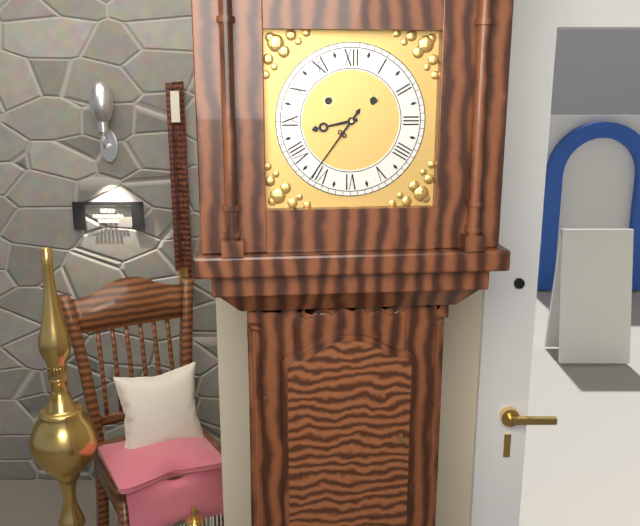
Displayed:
8.36
